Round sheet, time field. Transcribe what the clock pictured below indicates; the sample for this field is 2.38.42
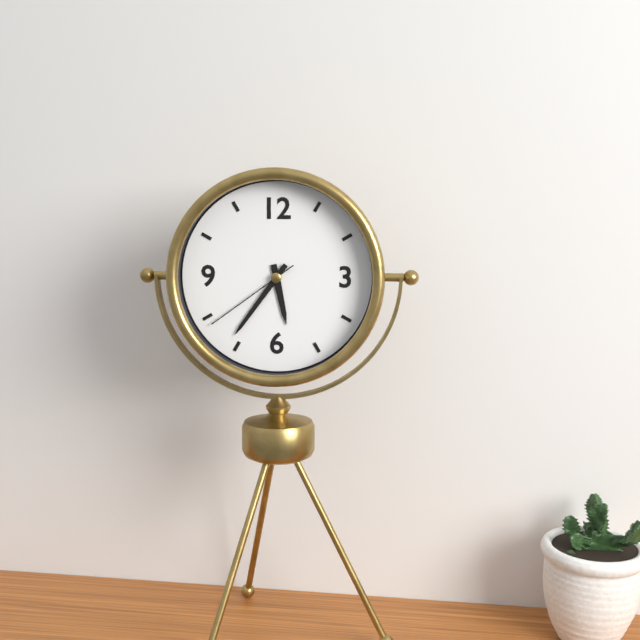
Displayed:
5.36.39
